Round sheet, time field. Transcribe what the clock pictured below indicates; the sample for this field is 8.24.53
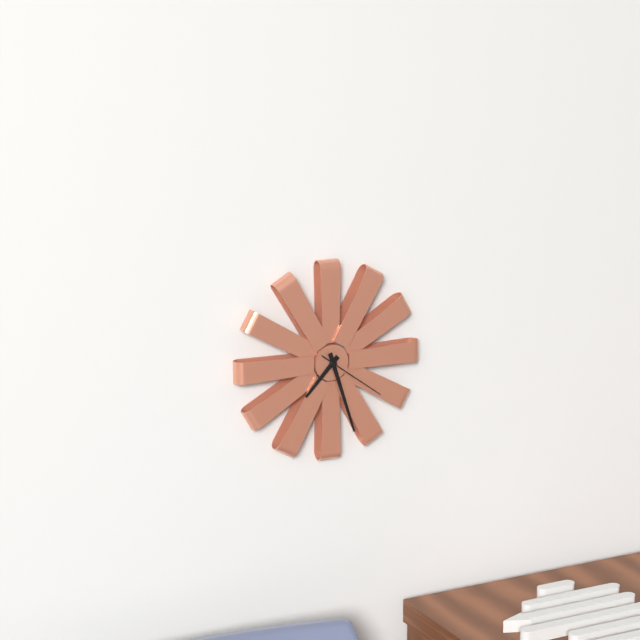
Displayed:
7.27.21
